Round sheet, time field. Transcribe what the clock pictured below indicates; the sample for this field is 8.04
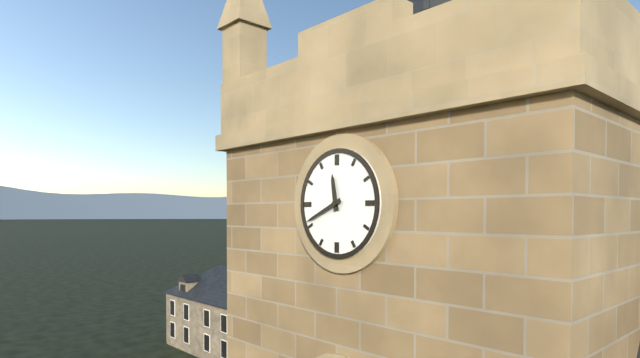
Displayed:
11.41
